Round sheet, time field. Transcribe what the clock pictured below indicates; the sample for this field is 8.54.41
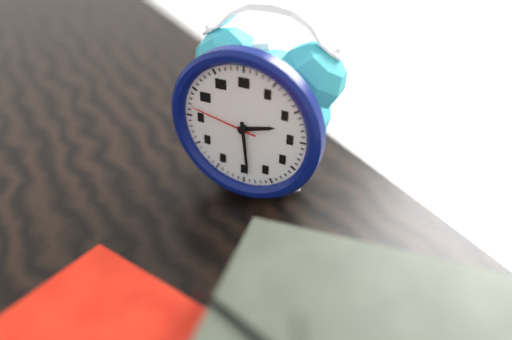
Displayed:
2.29.47
